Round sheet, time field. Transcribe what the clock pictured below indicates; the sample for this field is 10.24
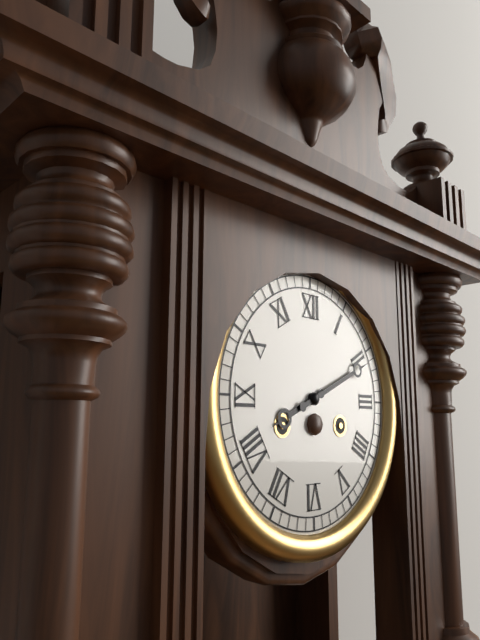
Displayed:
8.11
